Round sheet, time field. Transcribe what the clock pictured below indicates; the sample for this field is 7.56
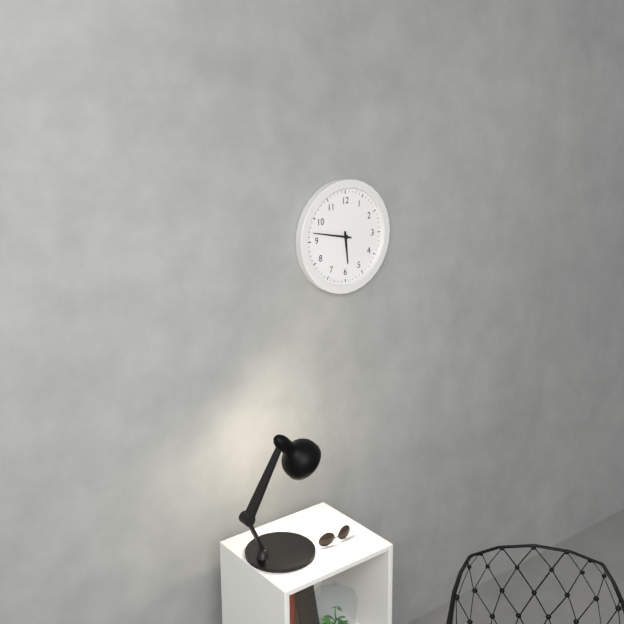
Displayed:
5.47
